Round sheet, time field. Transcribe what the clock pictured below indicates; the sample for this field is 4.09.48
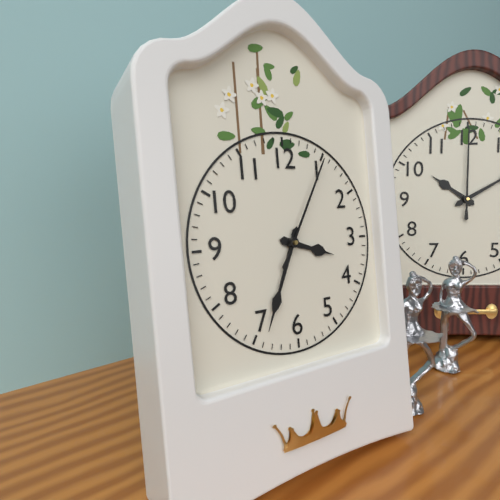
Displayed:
3.34.05
